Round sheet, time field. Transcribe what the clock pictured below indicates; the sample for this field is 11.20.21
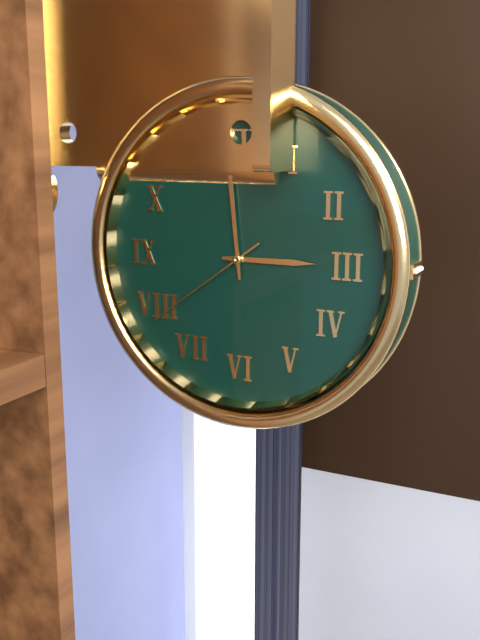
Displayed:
2.59.39
